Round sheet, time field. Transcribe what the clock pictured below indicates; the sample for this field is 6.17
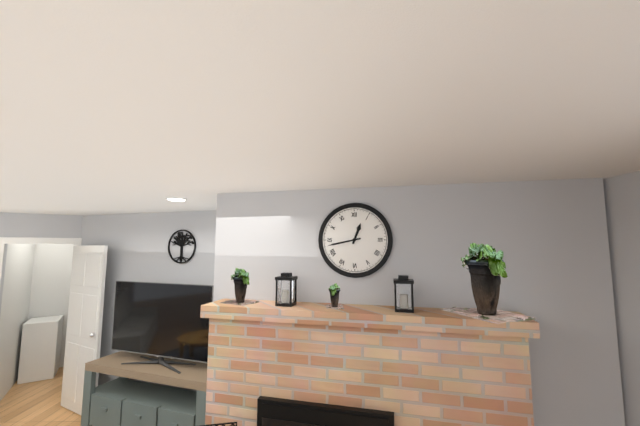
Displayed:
12.43
